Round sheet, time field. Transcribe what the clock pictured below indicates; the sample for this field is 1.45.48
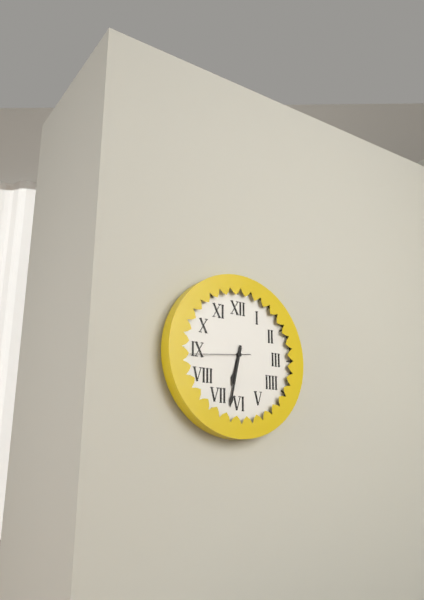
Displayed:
6.32.44
